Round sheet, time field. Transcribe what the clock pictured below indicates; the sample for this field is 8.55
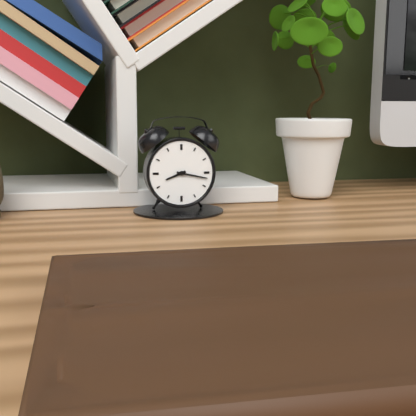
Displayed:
8.17
